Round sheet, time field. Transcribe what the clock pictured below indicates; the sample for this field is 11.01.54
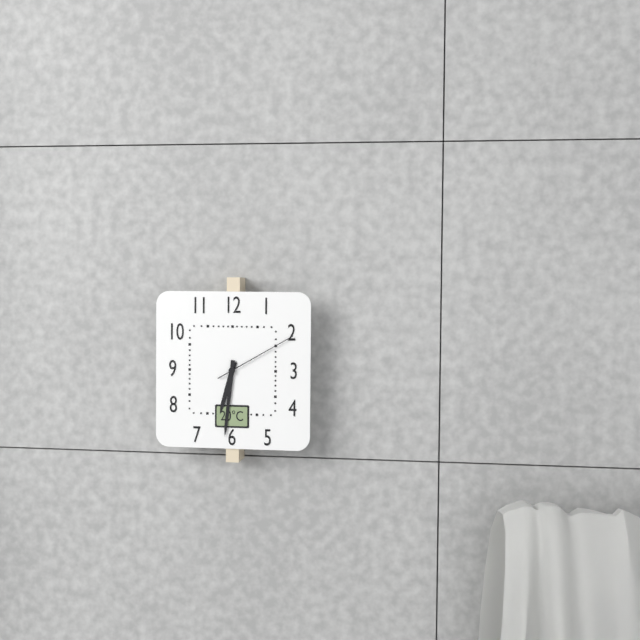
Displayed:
6.31.10
